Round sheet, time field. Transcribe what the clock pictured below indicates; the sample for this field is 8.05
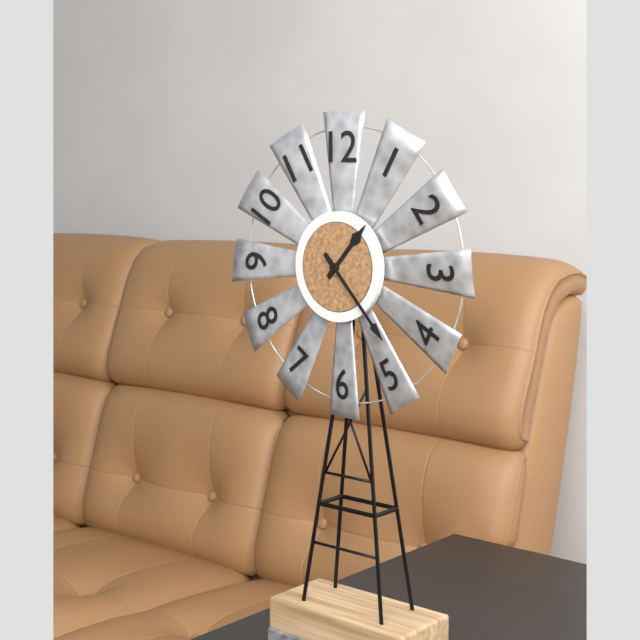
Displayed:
1.23
